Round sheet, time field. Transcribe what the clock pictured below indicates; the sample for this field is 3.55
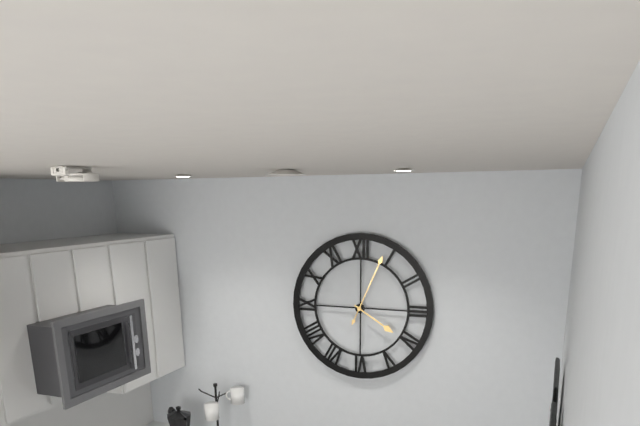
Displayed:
4.04
